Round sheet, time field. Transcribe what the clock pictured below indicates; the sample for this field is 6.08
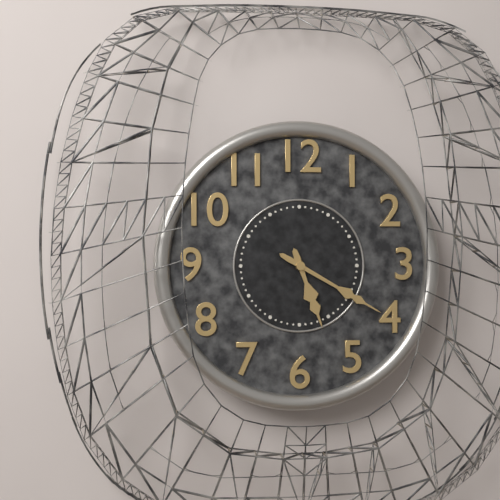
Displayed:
5.20
